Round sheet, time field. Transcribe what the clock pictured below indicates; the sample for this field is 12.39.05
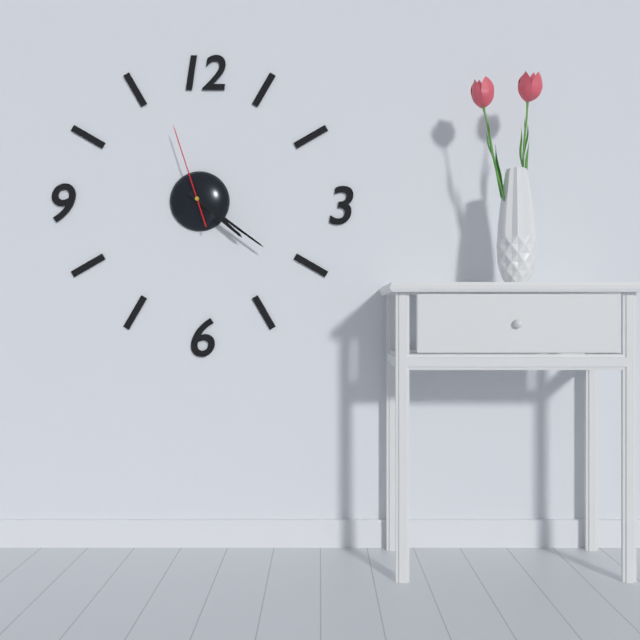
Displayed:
4.21.57
